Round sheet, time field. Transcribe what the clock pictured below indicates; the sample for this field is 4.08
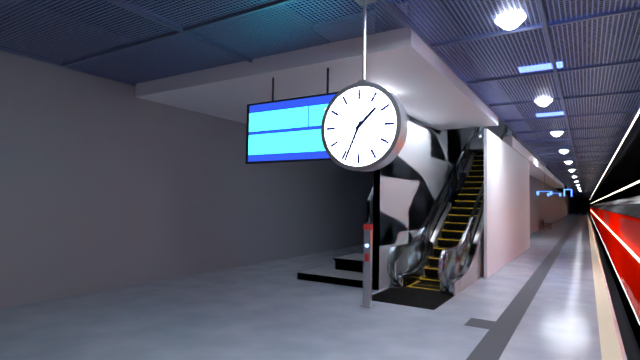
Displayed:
1.34
